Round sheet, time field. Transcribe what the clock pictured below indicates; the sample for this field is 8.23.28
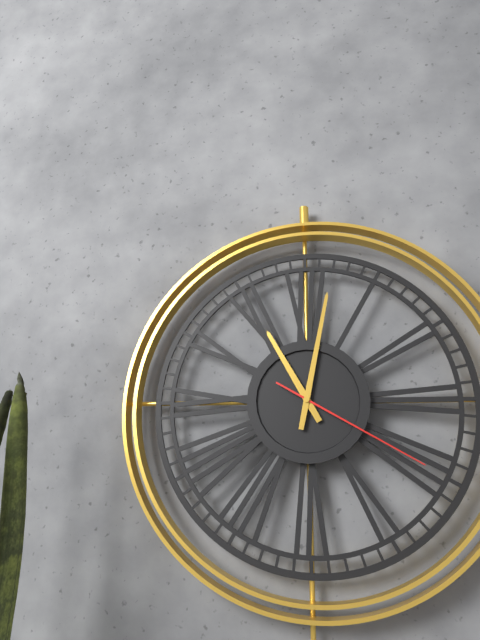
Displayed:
11.02.20
